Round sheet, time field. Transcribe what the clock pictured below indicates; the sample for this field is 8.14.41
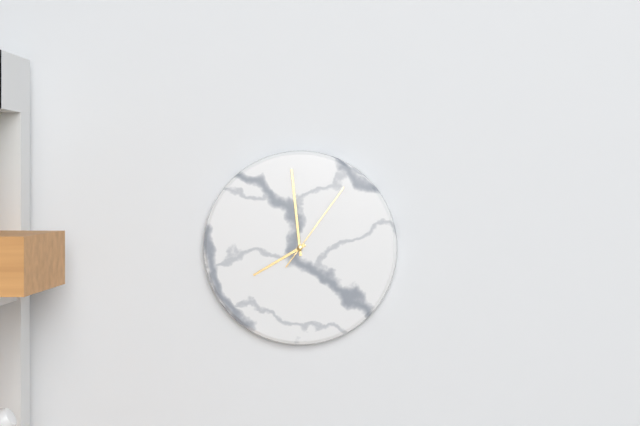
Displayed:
7.59.06
